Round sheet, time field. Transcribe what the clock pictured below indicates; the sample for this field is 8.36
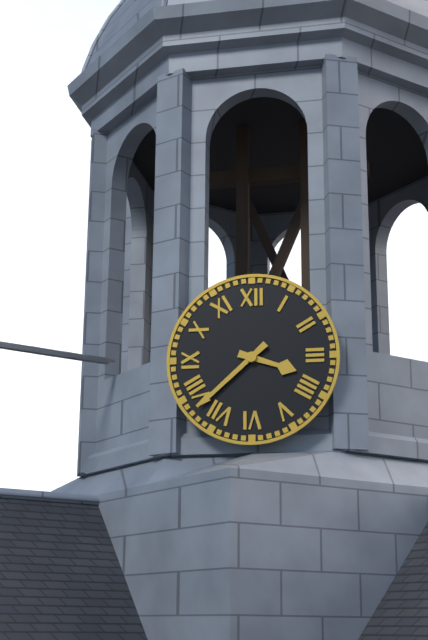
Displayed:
3.38
